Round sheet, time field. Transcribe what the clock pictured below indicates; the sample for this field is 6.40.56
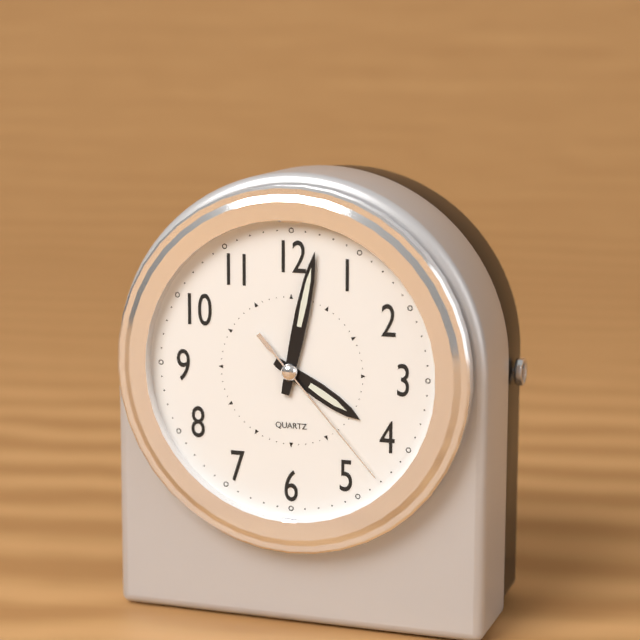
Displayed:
4.02.23
